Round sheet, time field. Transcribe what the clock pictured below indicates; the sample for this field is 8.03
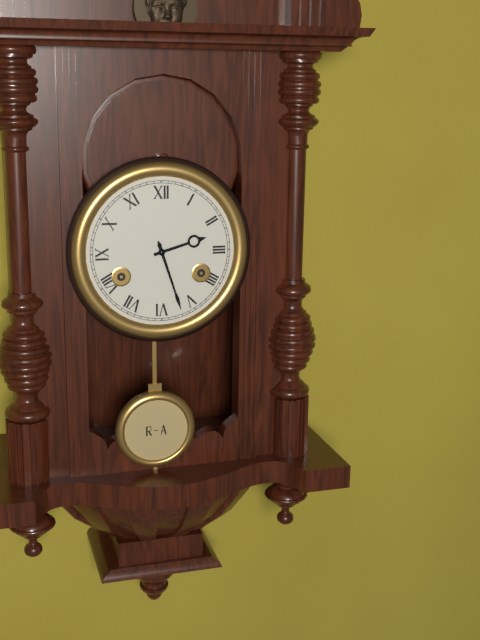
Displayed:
2.27
